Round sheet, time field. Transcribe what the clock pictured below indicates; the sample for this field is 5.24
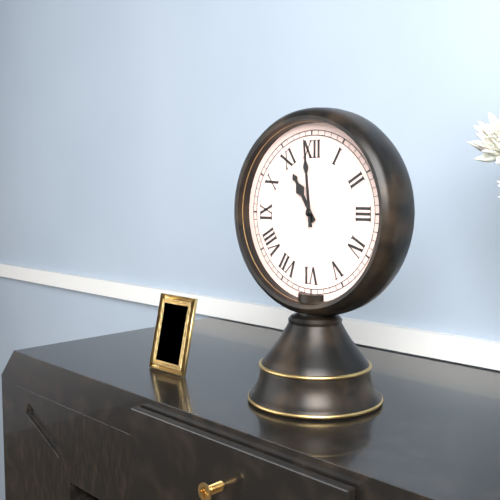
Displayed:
10.59
